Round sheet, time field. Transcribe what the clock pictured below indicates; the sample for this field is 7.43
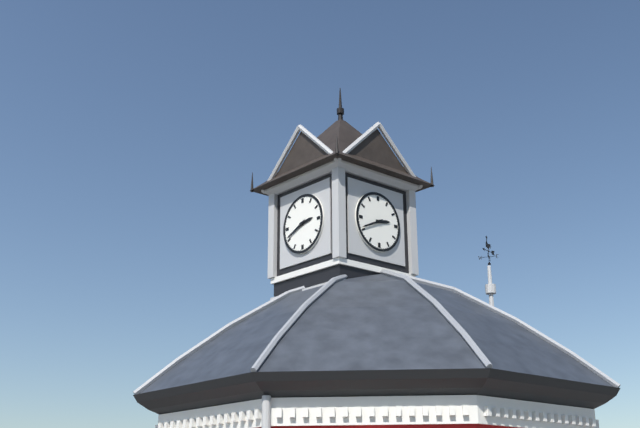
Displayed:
2.41
